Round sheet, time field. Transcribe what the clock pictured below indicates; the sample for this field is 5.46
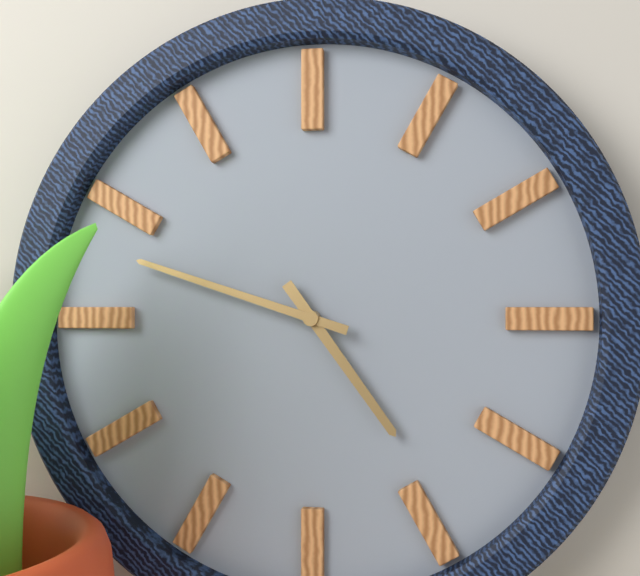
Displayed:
4.48
